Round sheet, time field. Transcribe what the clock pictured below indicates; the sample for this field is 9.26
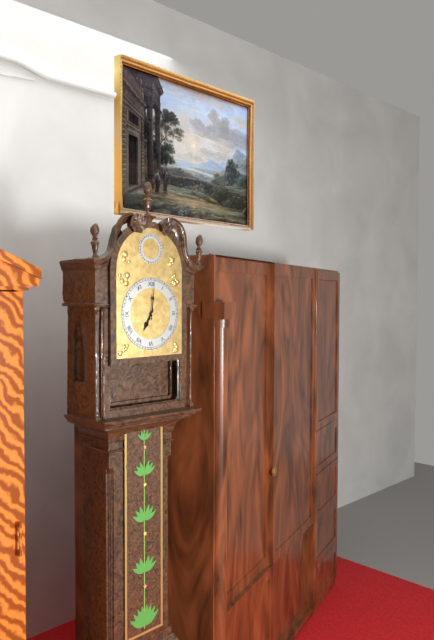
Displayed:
7.01
